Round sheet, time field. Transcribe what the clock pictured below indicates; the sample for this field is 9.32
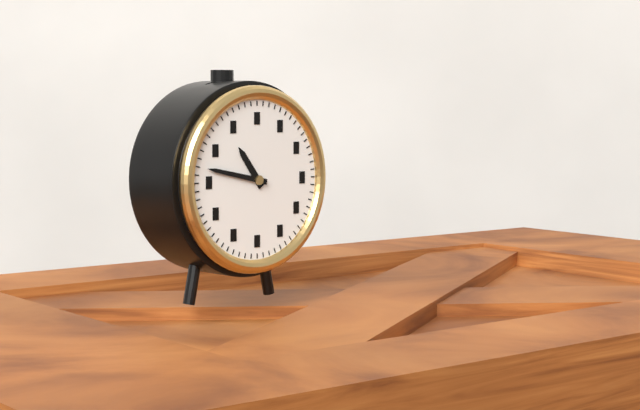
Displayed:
10.47
